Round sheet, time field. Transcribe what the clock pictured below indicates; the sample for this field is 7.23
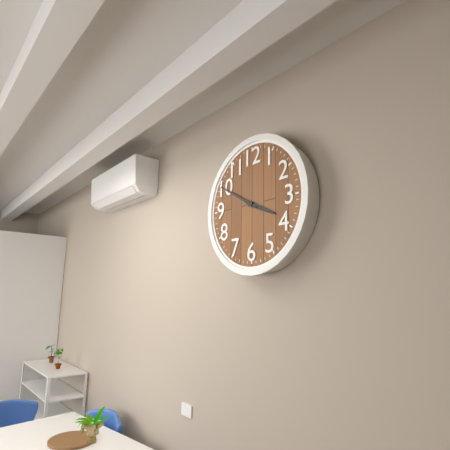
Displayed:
3.50
